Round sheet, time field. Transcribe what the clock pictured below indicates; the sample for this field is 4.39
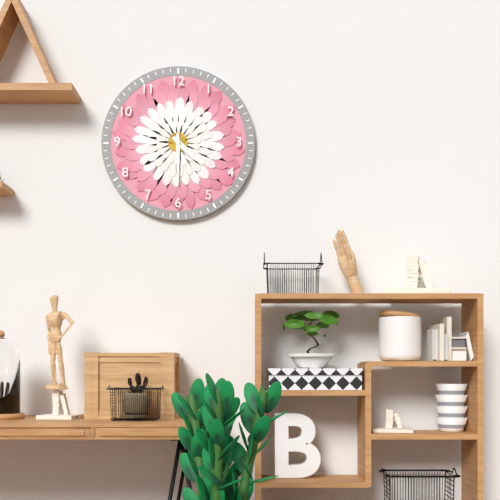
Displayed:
4.30
